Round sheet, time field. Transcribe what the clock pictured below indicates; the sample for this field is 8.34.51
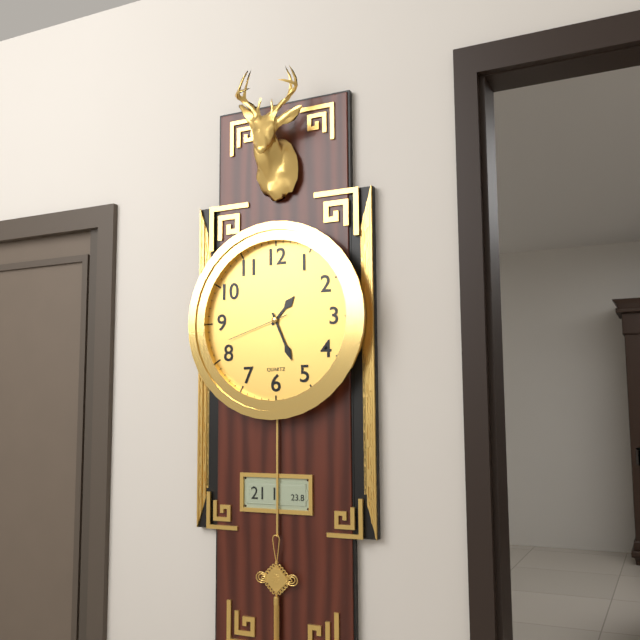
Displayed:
1.26.42
